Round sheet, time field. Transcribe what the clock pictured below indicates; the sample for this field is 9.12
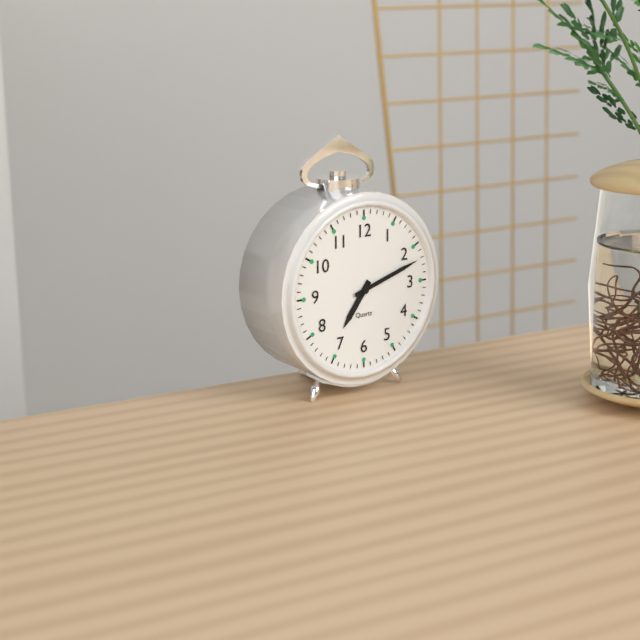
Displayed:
7.12
